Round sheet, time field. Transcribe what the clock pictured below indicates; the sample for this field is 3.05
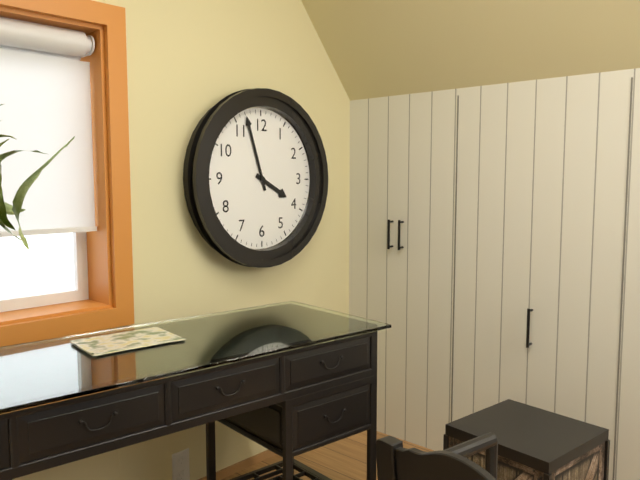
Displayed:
3.57
